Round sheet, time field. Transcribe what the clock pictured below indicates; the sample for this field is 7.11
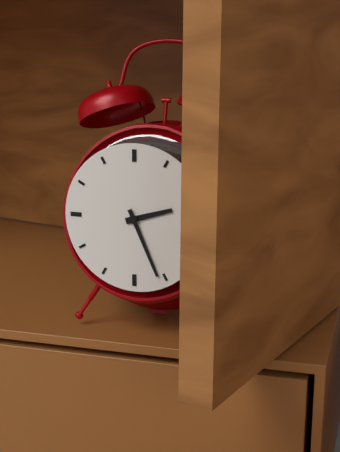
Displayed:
2.26
